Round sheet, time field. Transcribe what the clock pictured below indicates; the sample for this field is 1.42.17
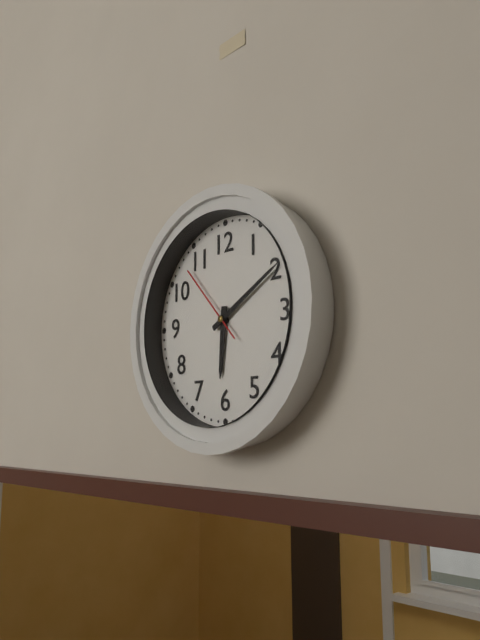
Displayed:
6.10.53
